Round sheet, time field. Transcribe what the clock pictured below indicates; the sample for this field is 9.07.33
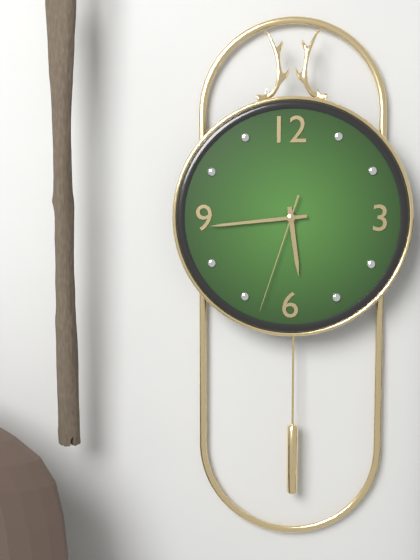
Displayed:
5.44.33
